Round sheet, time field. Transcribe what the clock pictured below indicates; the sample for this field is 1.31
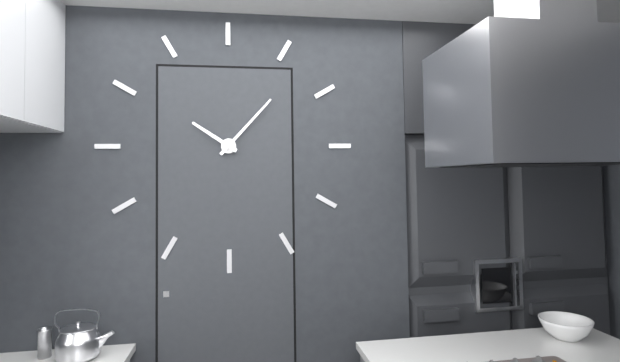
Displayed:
10.07
